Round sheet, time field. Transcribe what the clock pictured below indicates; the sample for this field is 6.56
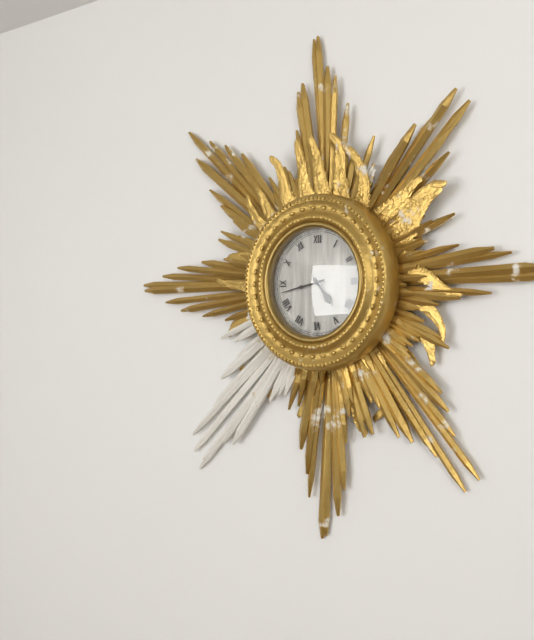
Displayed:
4.43
